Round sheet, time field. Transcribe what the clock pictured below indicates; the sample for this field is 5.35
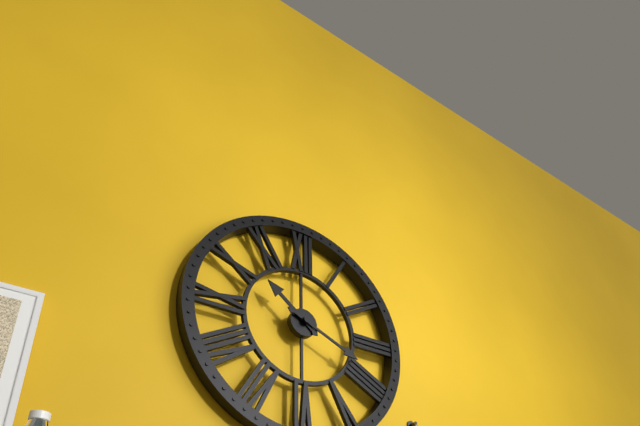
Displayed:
10.19
